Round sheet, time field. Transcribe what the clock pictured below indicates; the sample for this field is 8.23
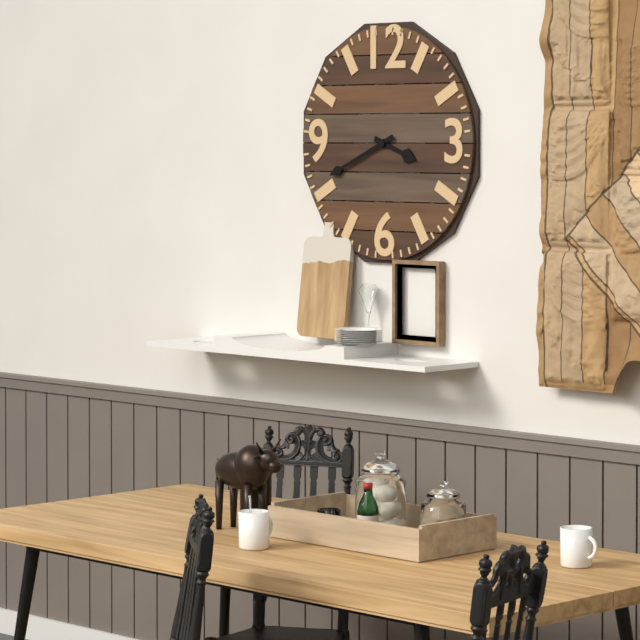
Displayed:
3.41
